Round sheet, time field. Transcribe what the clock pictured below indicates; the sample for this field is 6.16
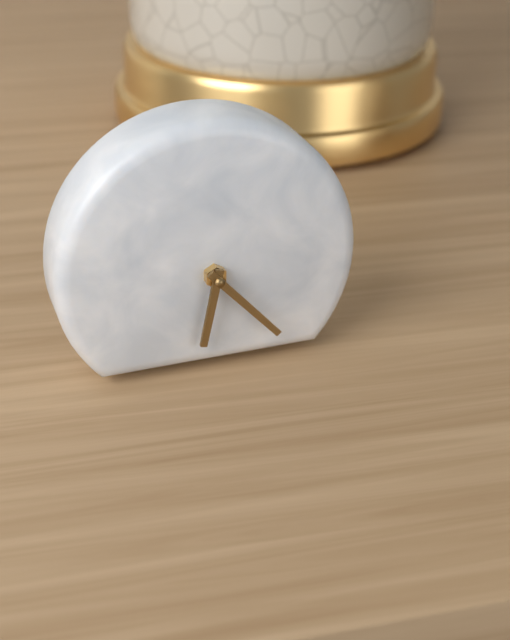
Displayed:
6.23
